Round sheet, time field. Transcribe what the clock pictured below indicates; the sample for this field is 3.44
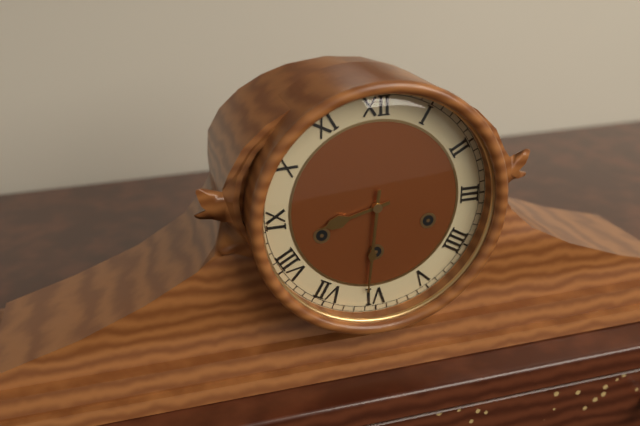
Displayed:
8.31
